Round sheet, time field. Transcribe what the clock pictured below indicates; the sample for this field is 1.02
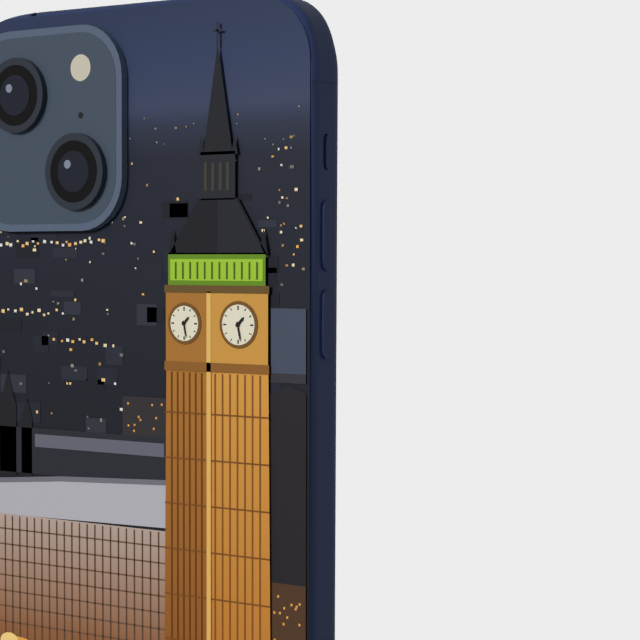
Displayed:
1.28
